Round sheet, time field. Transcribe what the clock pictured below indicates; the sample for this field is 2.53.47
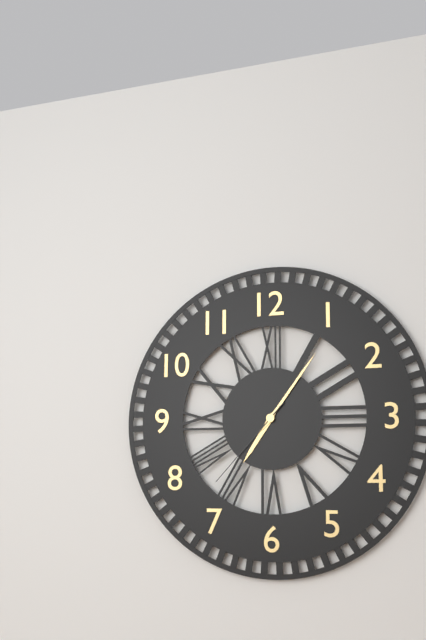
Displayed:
7.06.37
